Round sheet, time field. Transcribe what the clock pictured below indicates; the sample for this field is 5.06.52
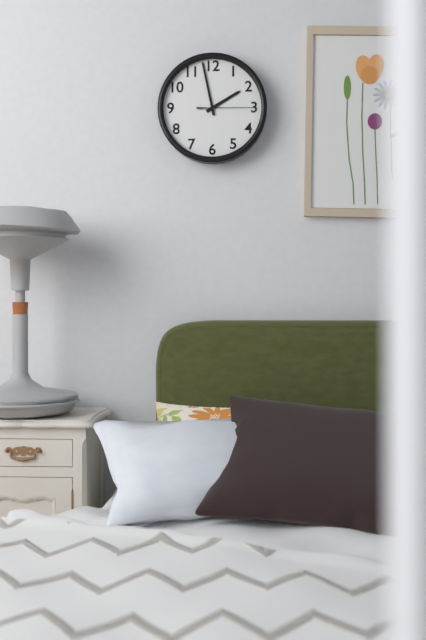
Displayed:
1.58.15
